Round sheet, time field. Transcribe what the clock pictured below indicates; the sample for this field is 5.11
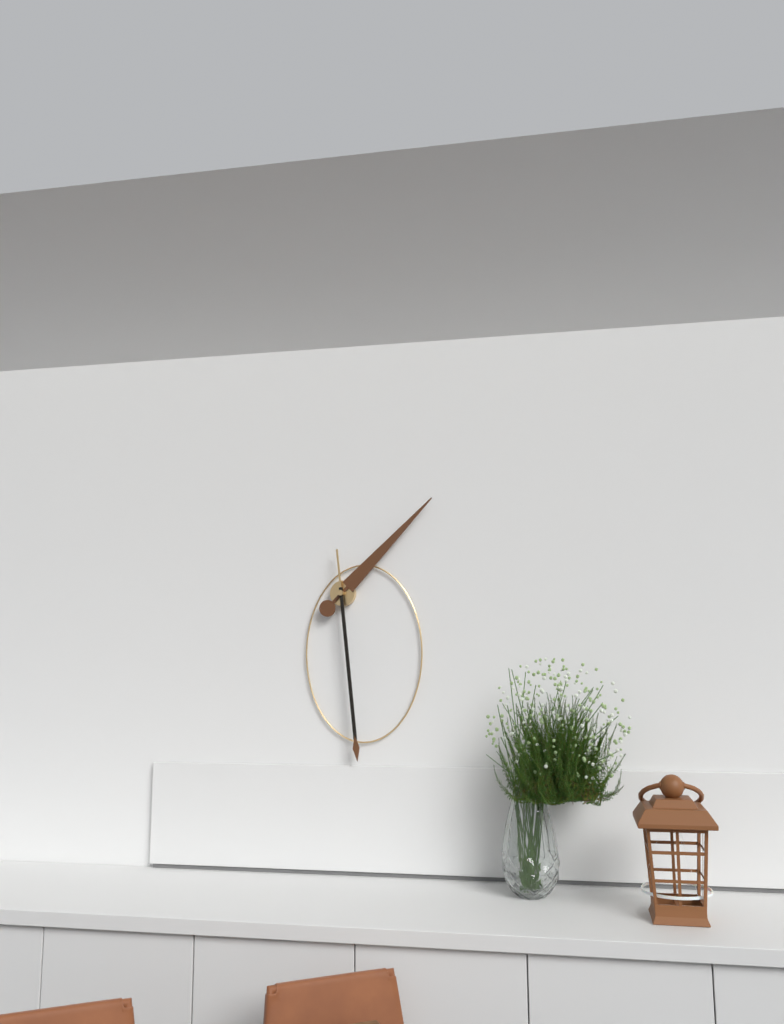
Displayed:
1.29
